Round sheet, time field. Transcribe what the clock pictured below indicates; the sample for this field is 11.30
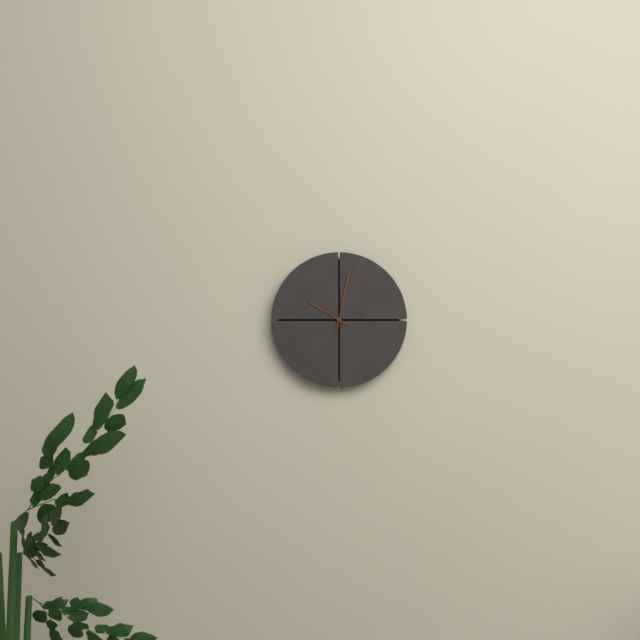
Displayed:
10.02
